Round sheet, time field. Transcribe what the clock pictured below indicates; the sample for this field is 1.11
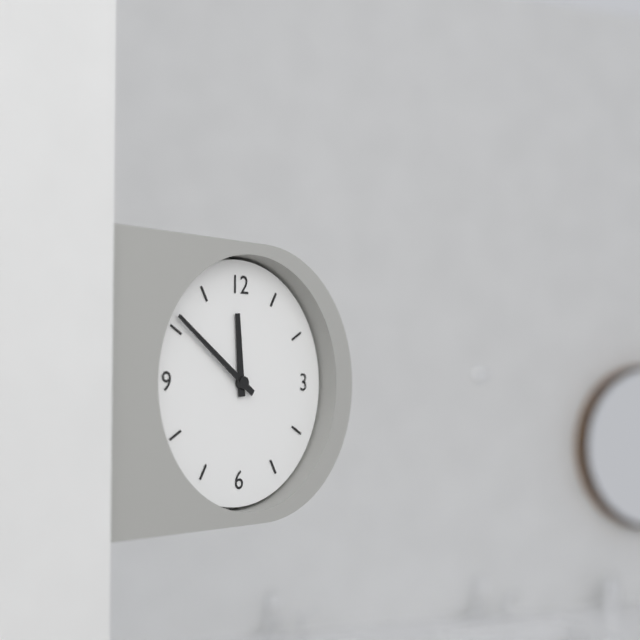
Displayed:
11.51
